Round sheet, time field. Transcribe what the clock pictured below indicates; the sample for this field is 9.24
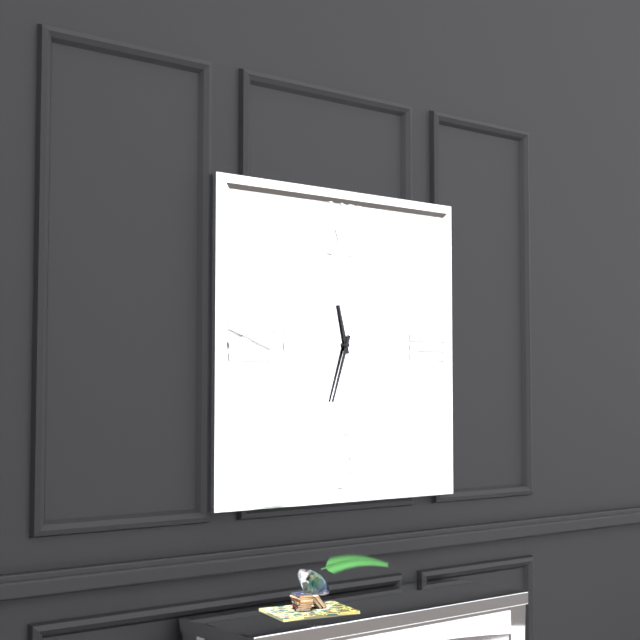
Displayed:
11.33
